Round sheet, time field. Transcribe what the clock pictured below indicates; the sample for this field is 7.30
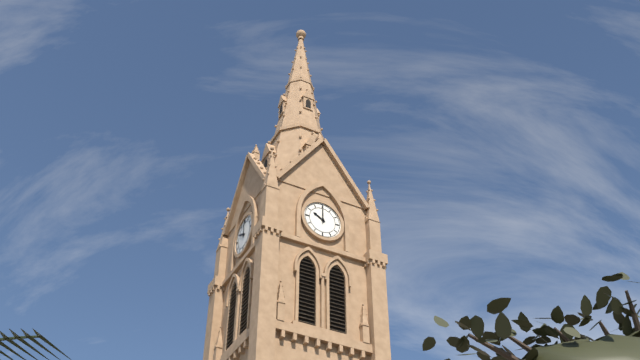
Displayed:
10.00
